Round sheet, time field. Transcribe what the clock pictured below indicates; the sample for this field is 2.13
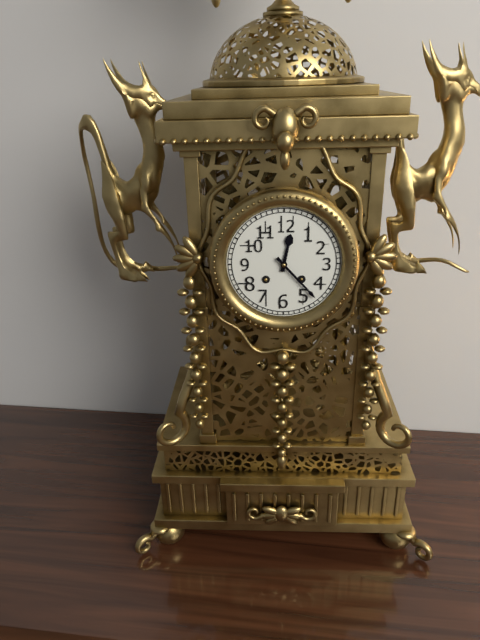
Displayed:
12.23
